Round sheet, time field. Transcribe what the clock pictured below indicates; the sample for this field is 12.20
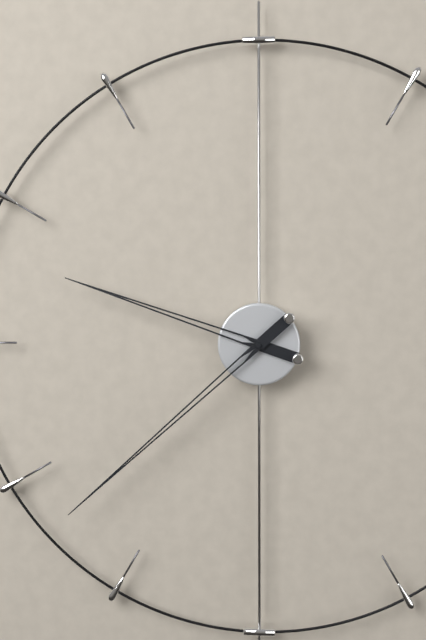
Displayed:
9.38
